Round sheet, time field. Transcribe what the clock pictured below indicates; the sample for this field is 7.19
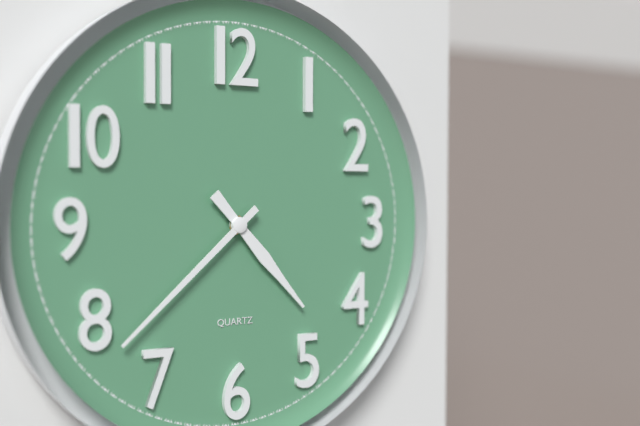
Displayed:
4.38
